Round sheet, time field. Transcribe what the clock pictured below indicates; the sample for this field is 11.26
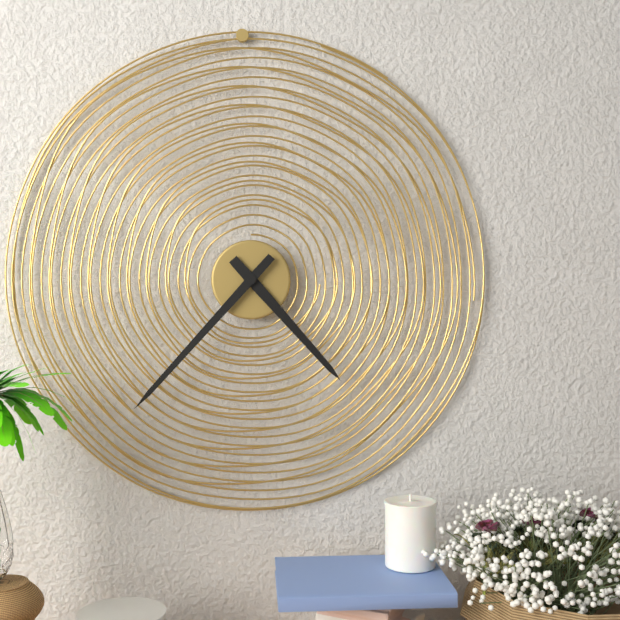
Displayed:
4.37
